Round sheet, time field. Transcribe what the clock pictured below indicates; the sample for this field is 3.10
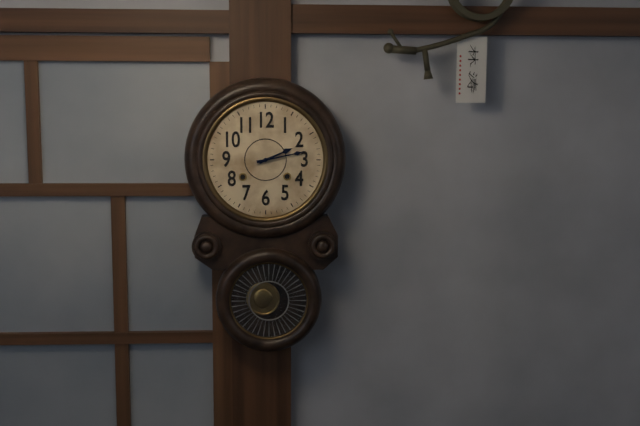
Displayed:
2.13
